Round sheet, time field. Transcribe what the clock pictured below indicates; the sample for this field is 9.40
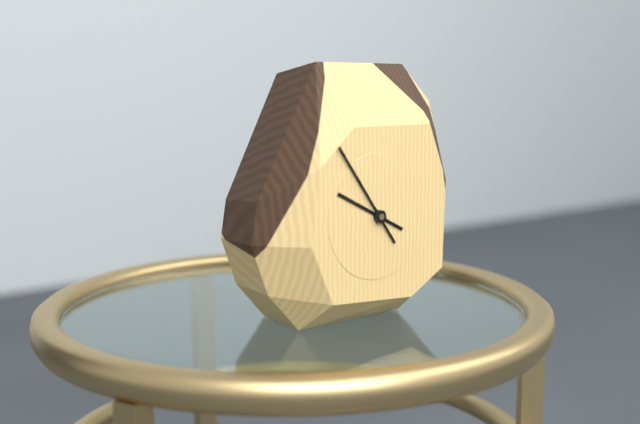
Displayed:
9.54
